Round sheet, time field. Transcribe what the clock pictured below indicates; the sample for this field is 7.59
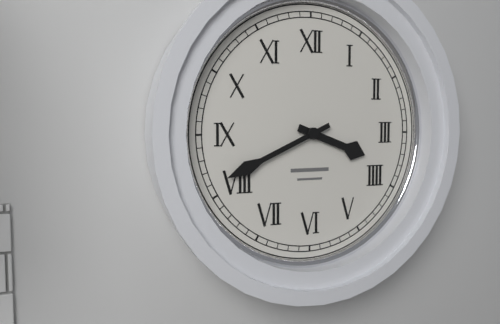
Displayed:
3.41
